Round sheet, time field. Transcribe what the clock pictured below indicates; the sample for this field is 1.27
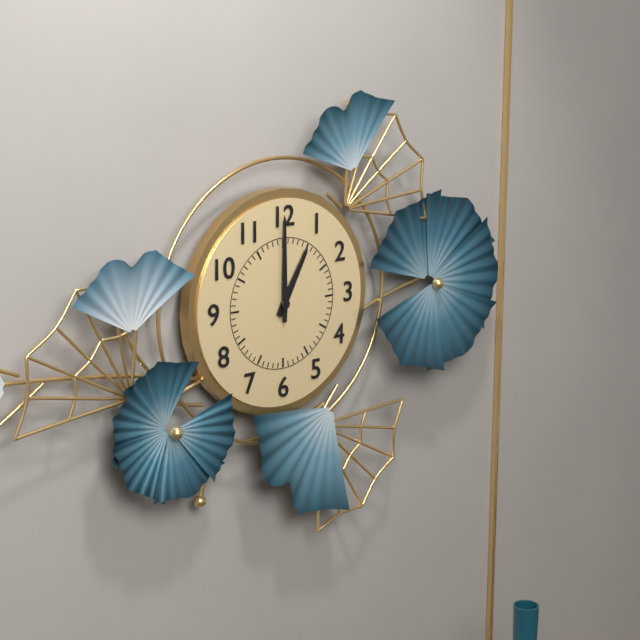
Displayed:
1.00
